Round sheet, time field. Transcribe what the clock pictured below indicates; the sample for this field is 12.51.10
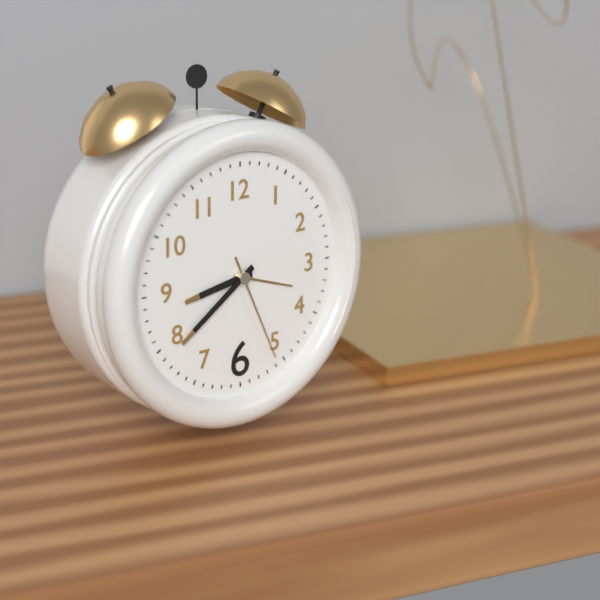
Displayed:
8.39.26
